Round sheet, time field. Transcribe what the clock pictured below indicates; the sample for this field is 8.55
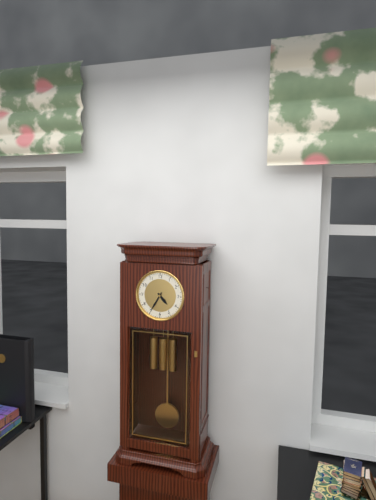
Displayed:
4.35
